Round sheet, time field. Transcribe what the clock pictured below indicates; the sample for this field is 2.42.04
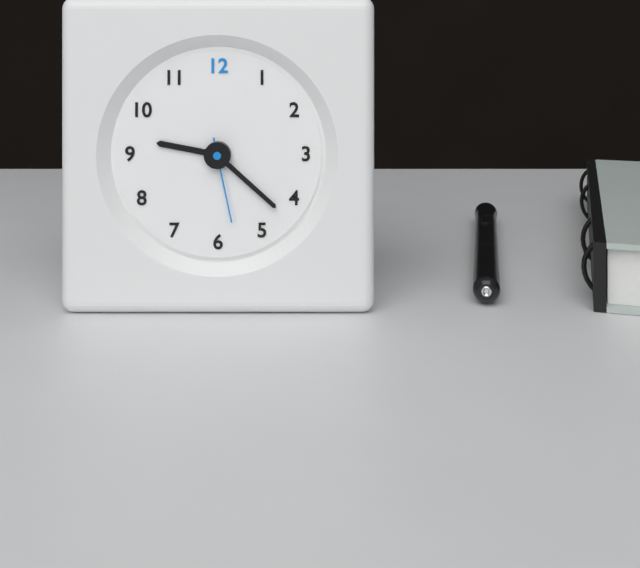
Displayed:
9.22.28
